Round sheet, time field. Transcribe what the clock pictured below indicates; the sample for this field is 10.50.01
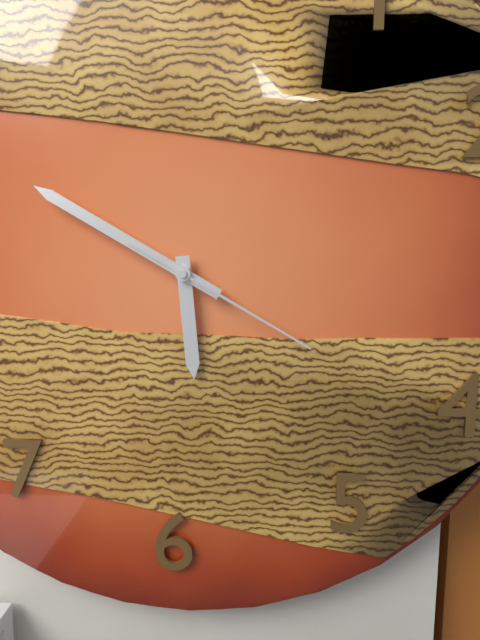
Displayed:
5.50.20
